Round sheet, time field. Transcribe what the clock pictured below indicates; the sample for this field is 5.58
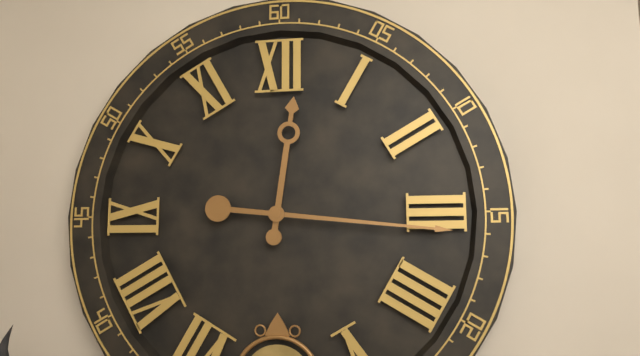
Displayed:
12.16
